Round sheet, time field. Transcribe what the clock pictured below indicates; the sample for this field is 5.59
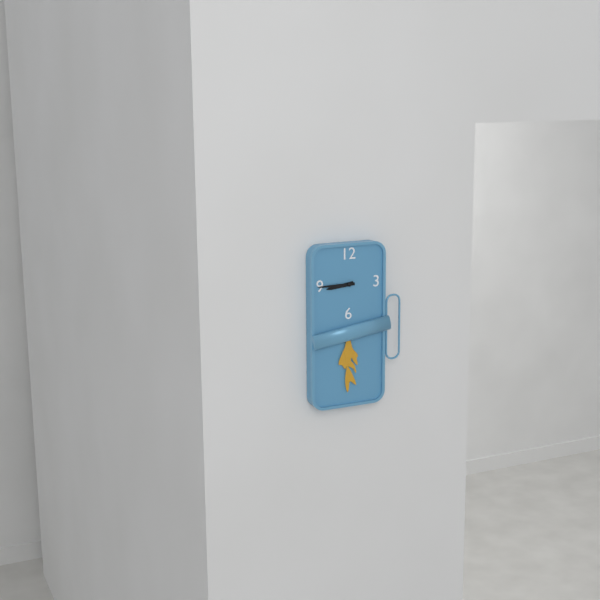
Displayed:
8.45
